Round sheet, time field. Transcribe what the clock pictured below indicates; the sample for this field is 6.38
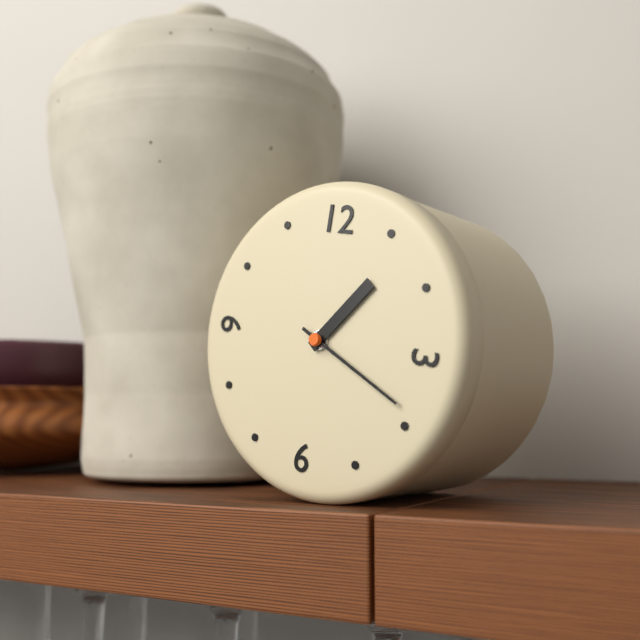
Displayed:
1.19
